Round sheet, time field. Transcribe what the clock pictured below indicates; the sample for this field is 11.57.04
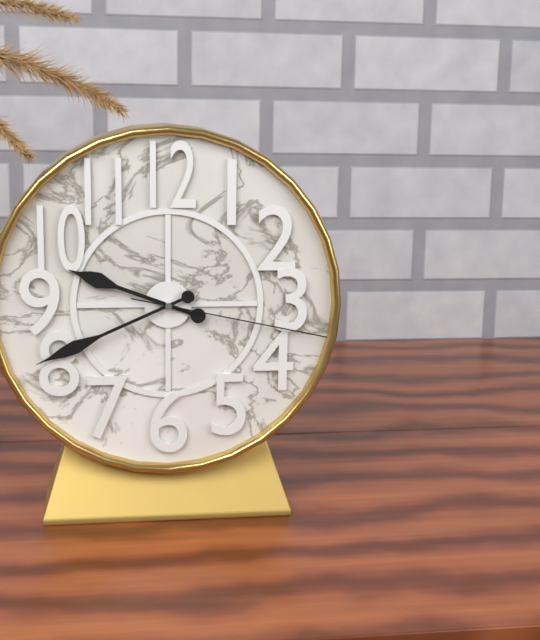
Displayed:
9.41.17
